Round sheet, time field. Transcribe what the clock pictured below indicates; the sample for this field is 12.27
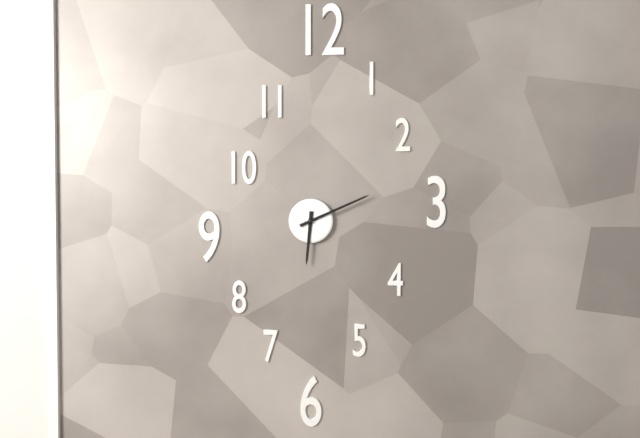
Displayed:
6.11
